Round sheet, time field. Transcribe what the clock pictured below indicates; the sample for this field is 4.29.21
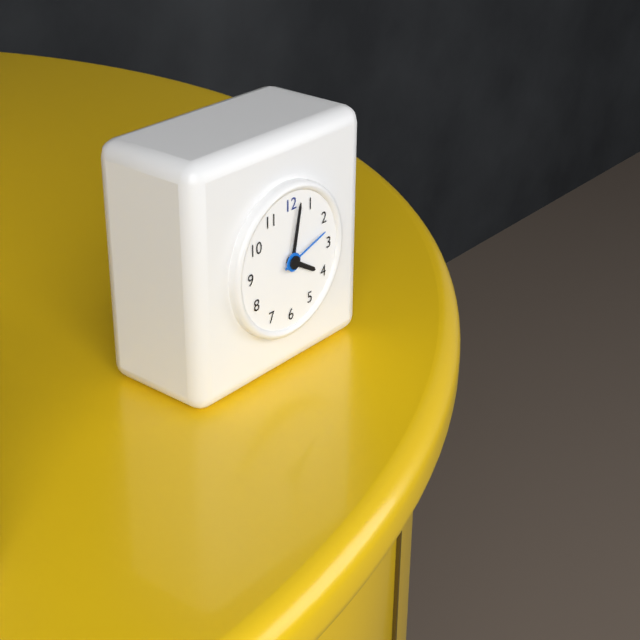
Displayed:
4.02.12
